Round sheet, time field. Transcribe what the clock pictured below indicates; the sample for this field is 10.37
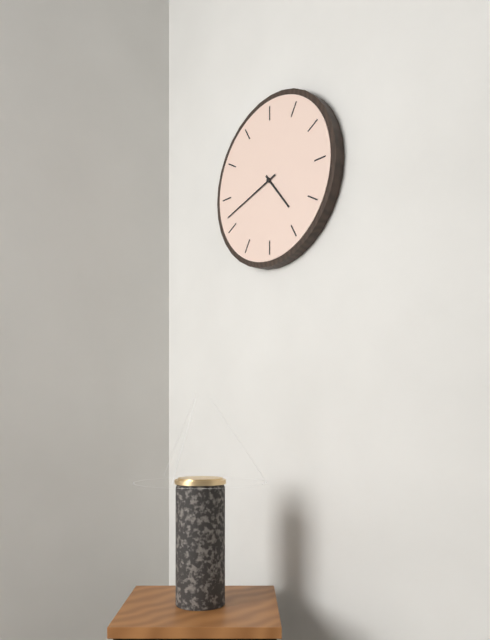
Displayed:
4.42
